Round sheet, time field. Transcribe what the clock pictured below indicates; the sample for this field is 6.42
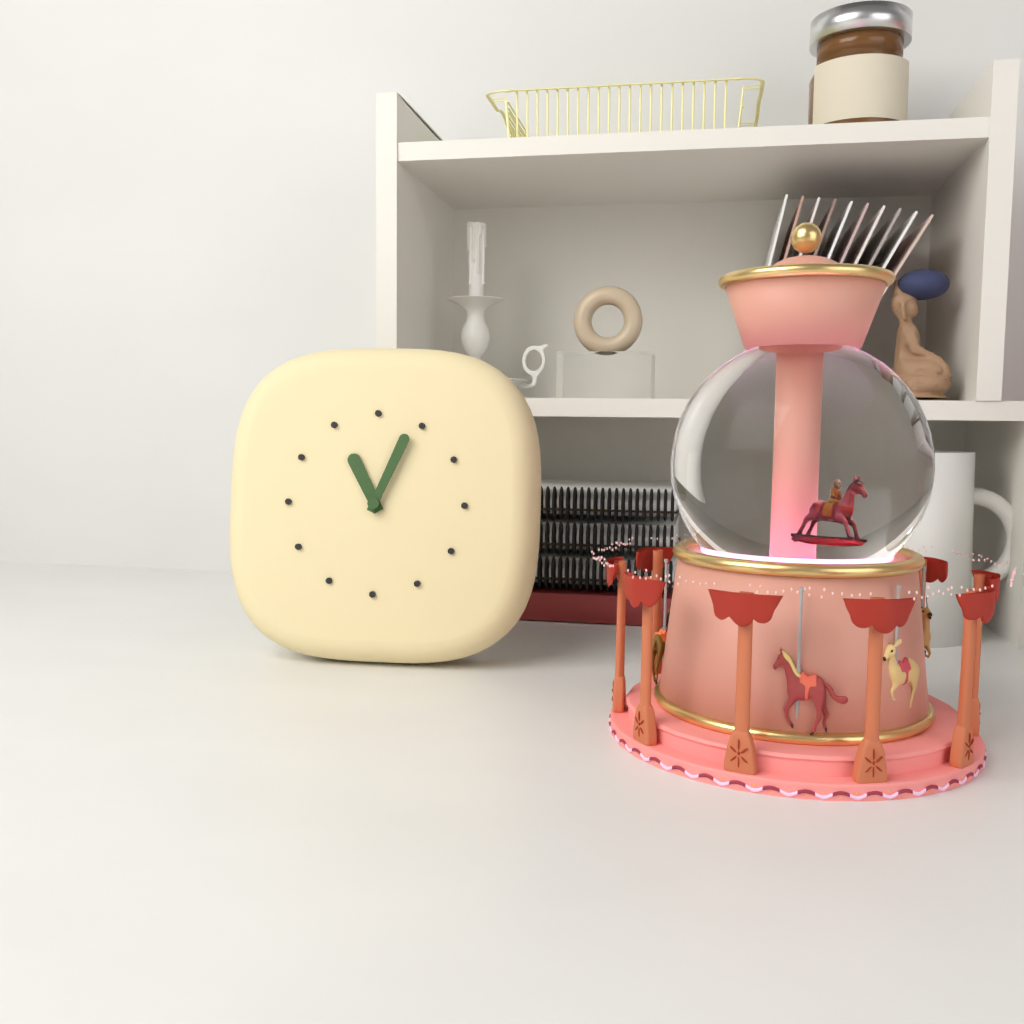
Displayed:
11.04
